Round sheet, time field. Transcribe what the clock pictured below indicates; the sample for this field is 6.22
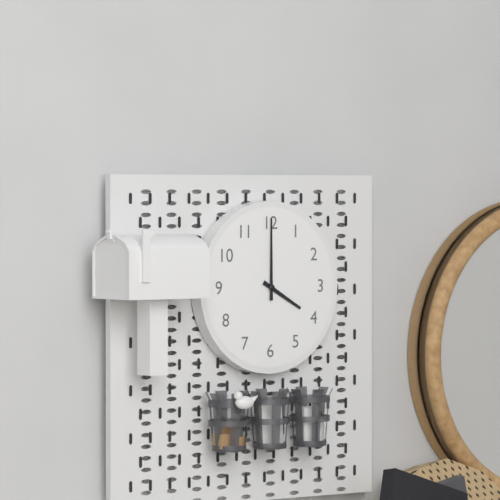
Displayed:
4.00
